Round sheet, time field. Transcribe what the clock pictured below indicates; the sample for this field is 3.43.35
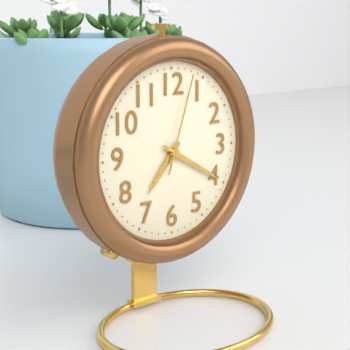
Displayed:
7.20.03
